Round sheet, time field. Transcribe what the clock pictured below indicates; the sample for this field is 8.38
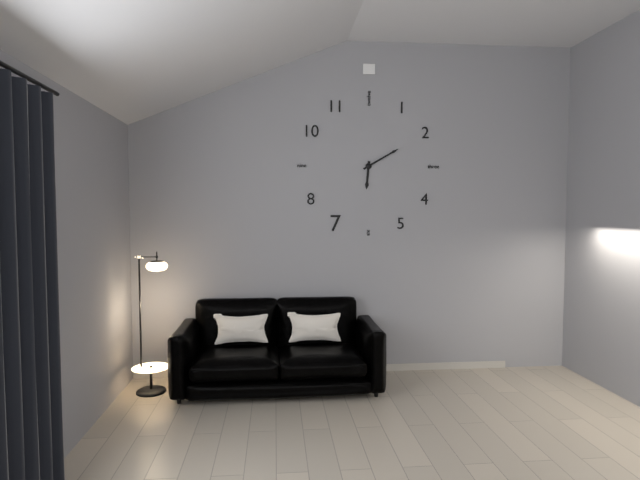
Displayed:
6.10
